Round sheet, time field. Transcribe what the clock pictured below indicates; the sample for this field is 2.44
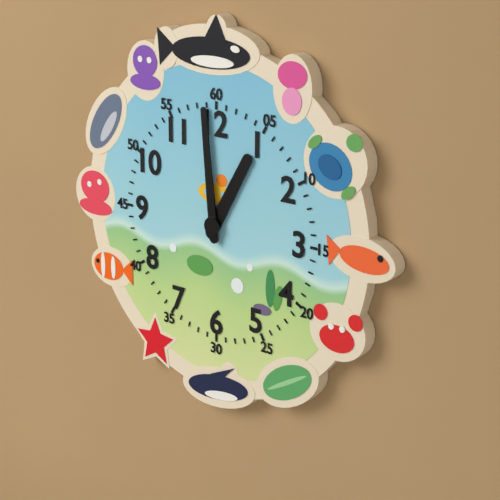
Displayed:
12.59
